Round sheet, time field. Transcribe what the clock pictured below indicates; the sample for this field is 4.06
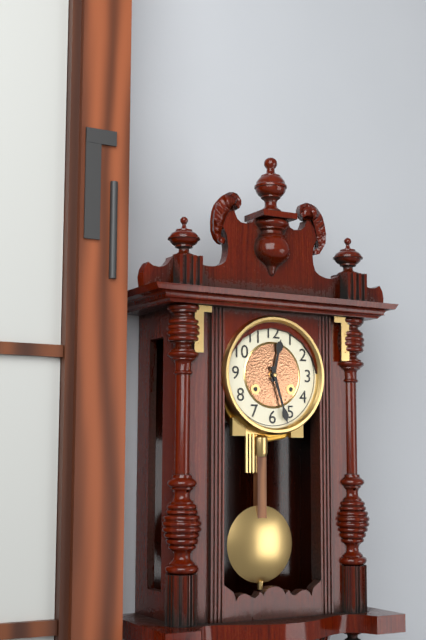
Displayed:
12.27
